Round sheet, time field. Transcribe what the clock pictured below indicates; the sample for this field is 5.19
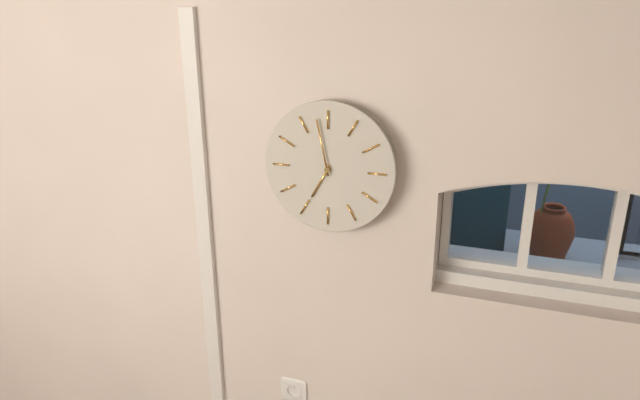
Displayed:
6.58
